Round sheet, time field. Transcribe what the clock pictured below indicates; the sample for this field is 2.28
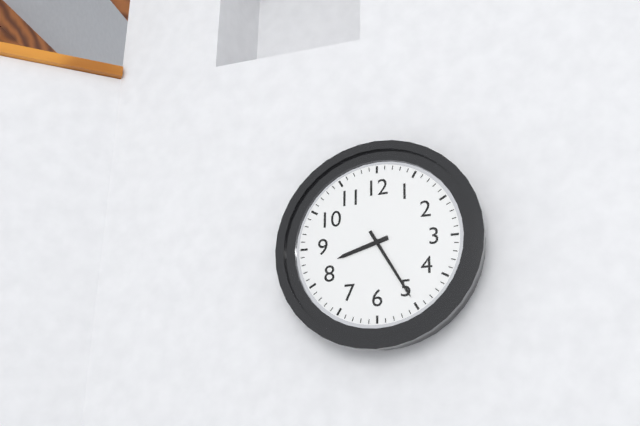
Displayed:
8.25
